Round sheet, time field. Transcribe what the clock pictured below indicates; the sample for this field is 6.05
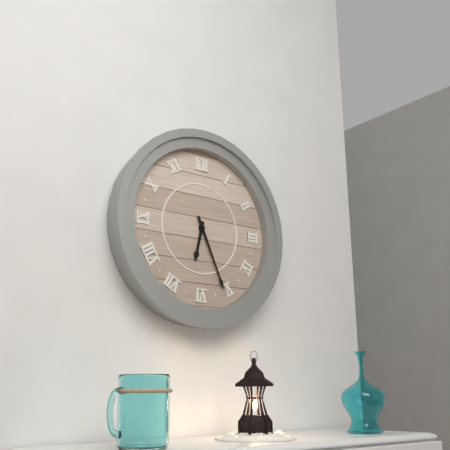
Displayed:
6.26
